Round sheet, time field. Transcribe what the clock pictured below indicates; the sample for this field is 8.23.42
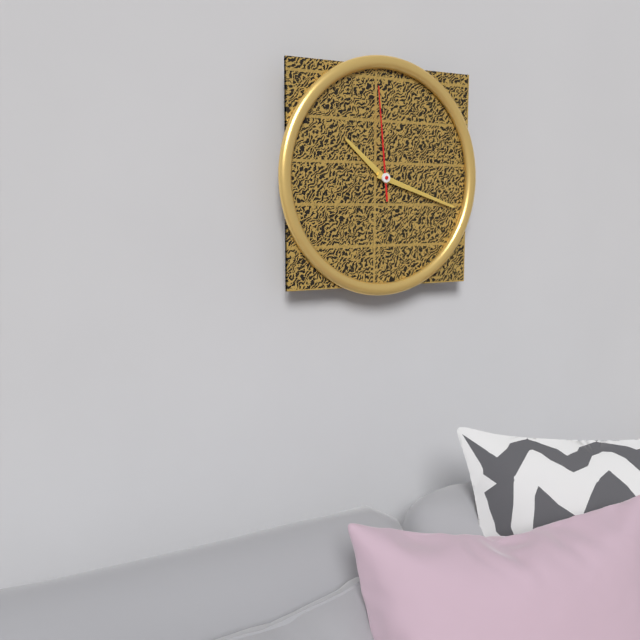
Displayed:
10.18.59
